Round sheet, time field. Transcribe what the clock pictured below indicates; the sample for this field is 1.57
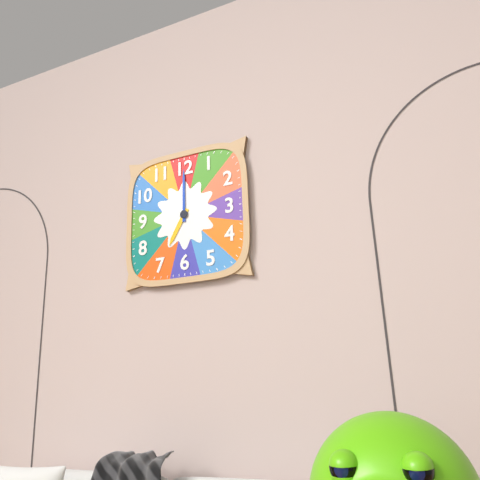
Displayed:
7.00
